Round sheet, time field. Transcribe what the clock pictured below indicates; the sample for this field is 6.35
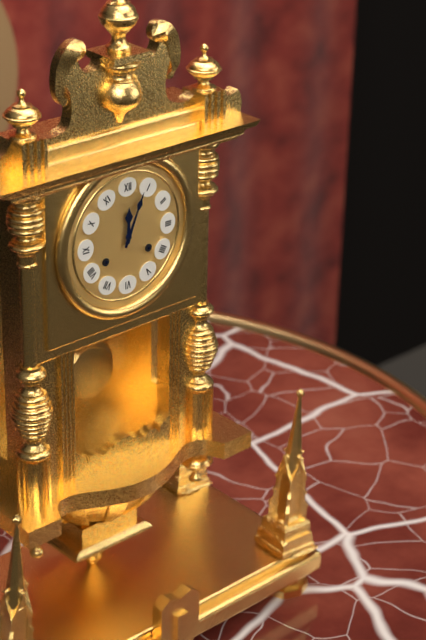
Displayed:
12.04
